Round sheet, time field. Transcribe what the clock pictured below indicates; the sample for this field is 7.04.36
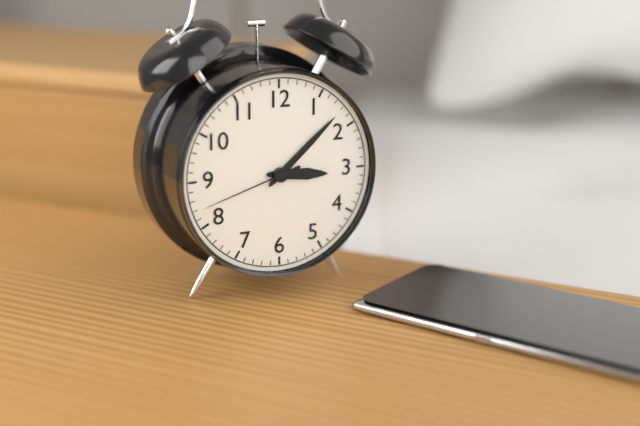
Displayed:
3.08.42
